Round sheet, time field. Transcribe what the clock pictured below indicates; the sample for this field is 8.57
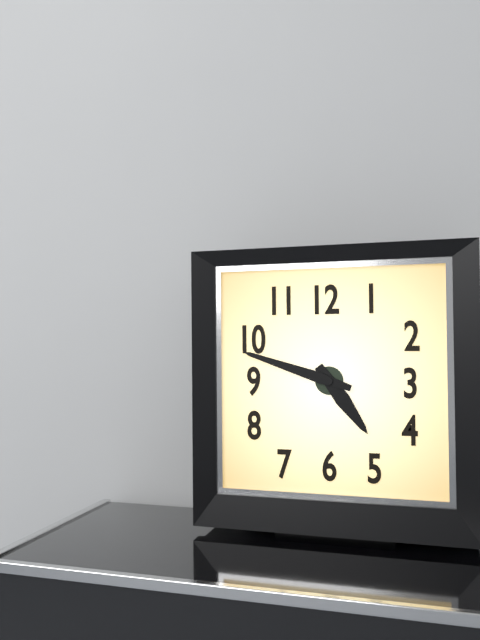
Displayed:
4.48
